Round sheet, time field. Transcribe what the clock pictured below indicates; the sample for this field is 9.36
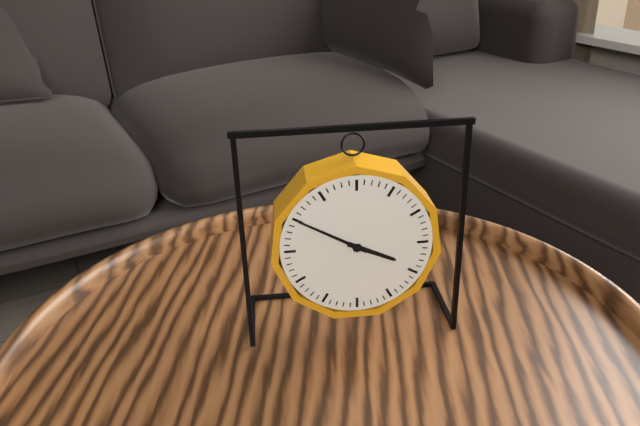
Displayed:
3.50
